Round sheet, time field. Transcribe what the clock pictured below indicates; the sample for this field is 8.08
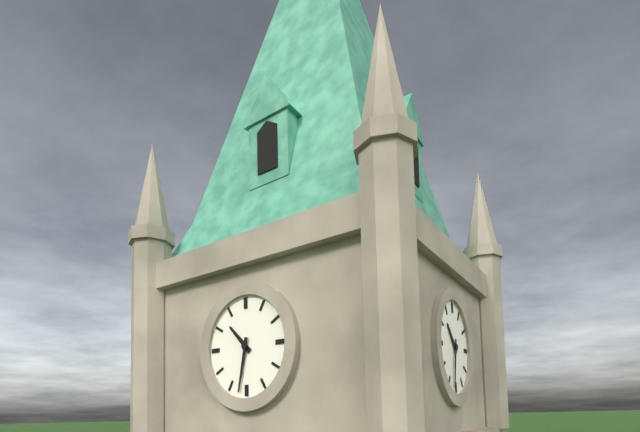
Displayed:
10.32
